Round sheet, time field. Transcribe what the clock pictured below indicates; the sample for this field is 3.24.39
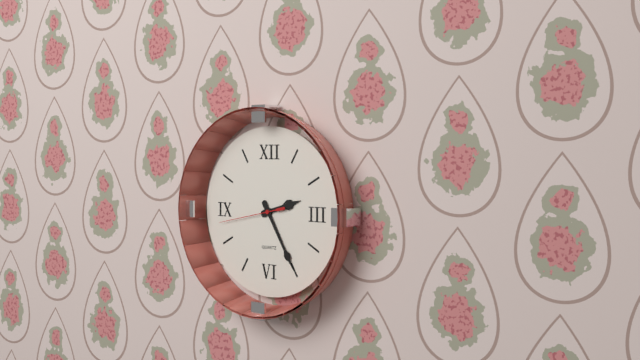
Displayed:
2.25.43
